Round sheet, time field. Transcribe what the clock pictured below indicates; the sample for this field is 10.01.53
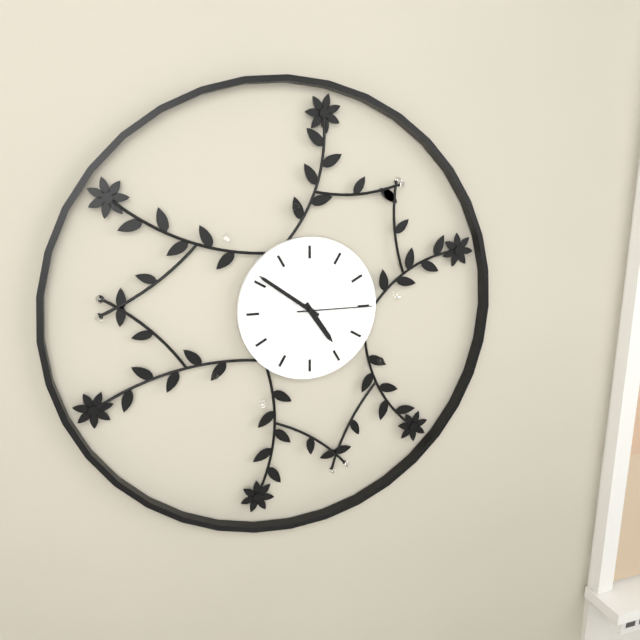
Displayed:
4.51.15
